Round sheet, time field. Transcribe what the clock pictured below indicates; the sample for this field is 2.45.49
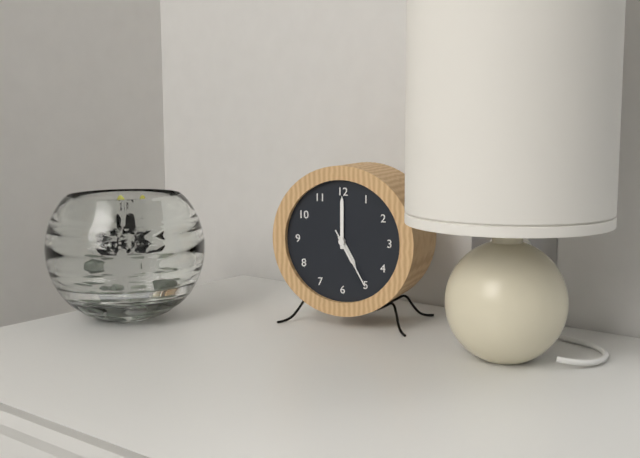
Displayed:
5.00.25
